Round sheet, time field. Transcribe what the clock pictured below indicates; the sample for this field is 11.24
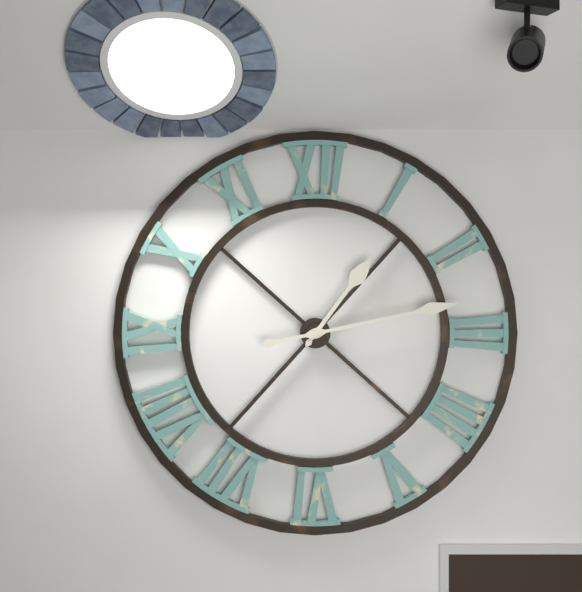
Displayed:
1.13
